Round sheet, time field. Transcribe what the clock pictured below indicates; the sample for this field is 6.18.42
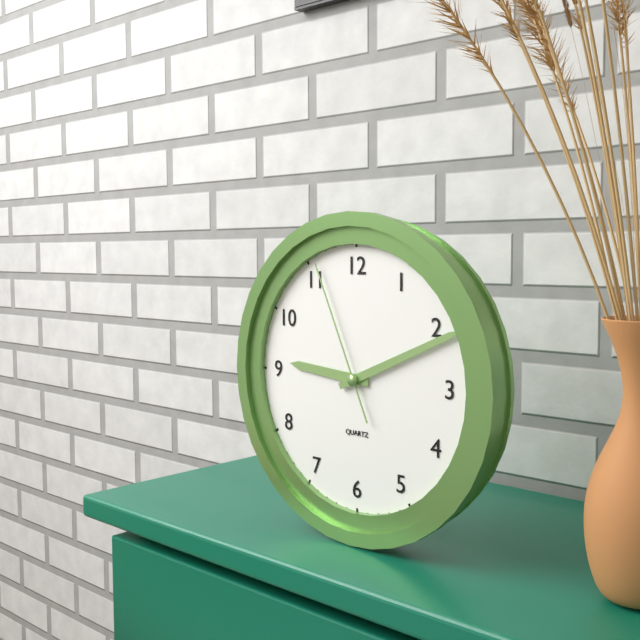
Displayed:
9.11.56
